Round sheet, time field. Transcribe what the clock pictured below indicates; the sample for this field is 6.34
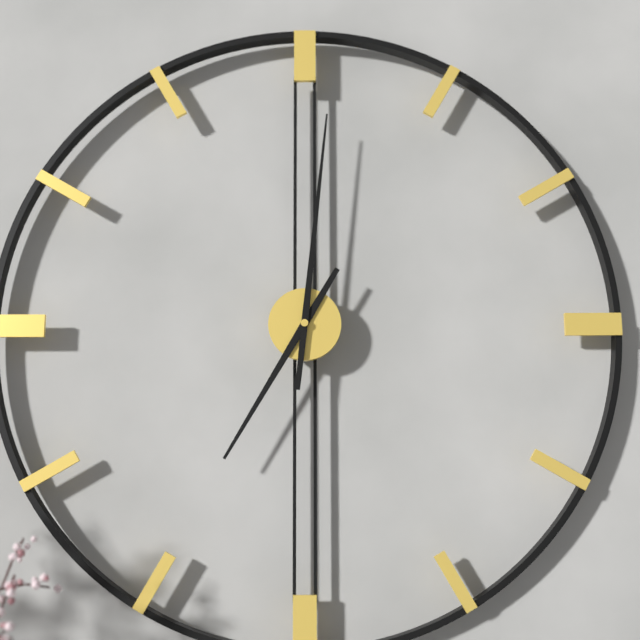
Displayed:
7.01
